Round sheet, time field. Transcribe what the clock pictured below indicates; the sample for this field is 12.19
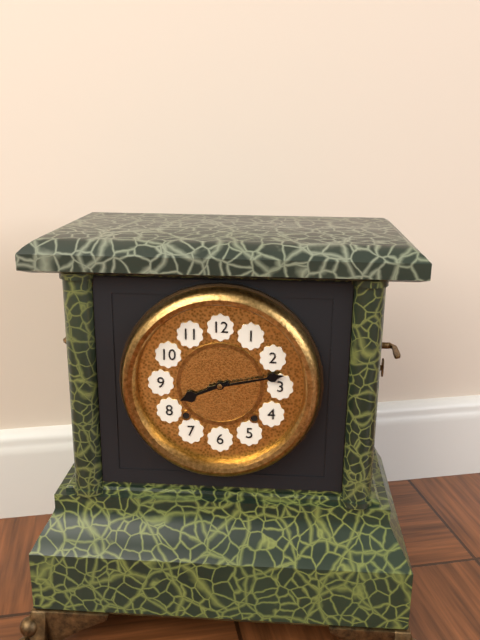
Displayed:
8.13
